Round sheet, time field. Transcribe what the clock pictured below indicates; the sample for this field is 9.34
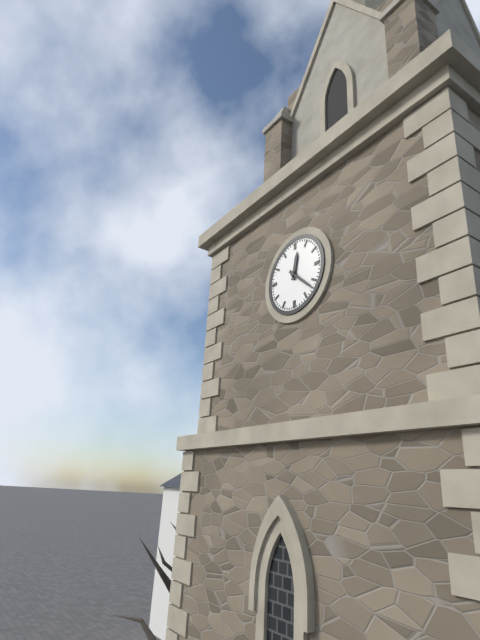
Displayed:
12.22
